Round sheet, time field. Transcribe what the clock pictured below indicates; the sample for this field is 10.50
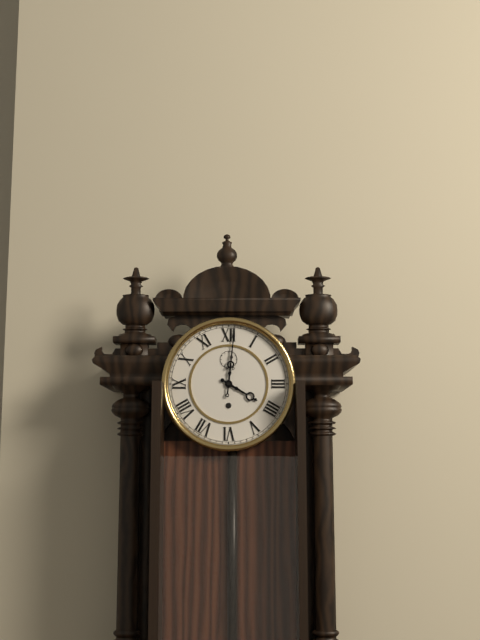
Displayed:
4.01
